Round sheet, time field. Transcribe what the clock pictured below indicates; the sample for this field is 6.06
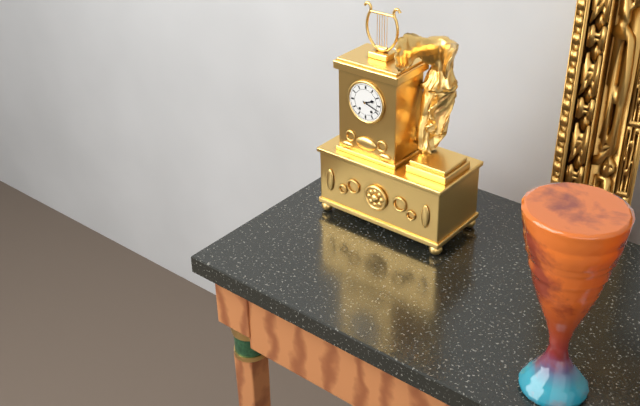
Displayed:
2.18
